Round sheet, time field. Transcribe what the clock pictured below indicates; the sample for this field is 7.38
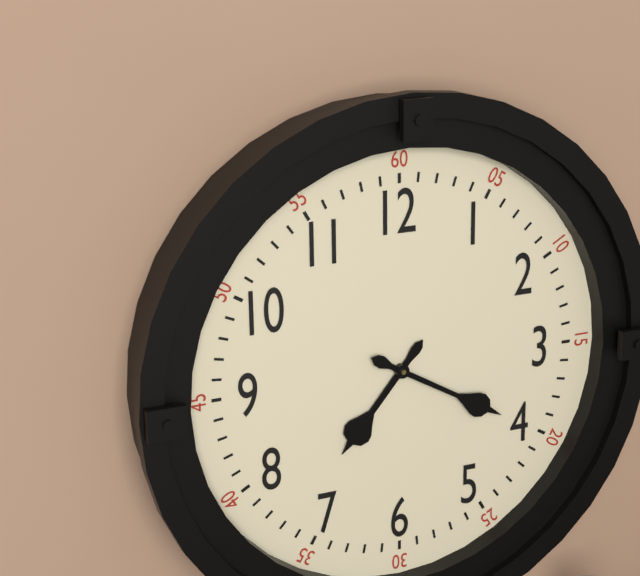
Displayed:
7.20
